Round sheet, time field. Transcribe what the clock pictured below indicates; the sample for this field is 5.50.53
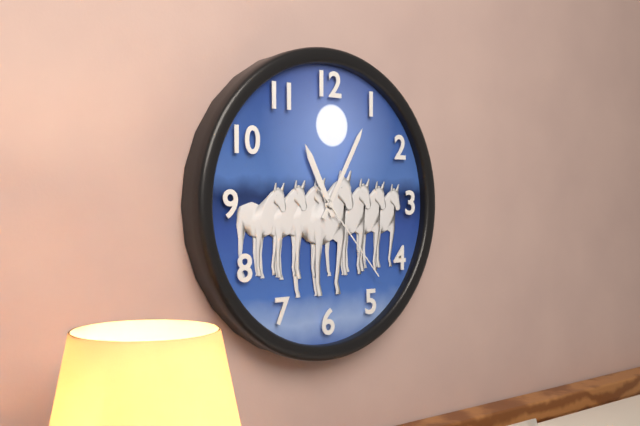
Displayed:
11.05.23
